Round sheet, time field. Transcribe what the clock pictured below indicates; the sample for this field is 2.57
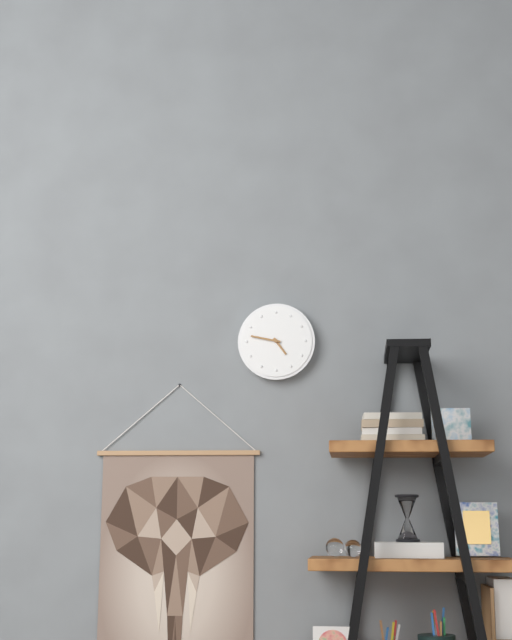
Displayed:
4.47
